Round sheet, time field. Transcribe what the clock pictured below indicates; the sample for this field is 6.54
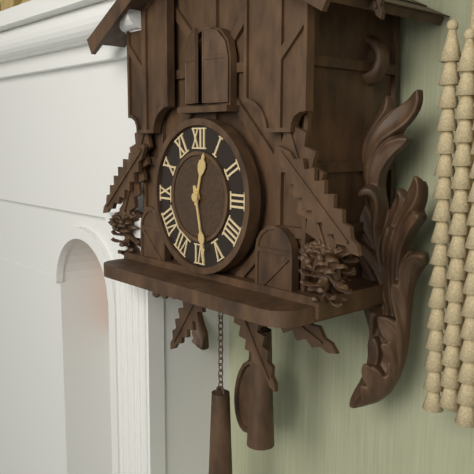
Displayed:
12.28
